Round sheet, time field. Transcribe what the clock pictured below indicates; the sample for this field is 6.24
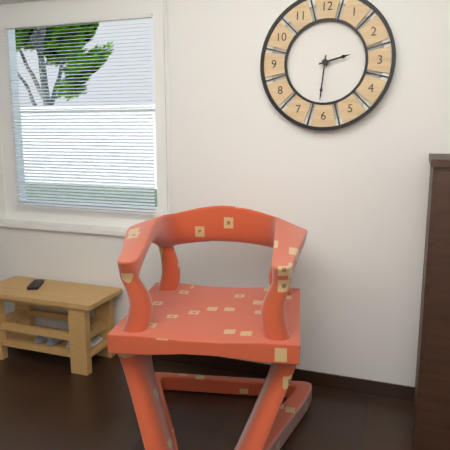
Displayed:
2.31
